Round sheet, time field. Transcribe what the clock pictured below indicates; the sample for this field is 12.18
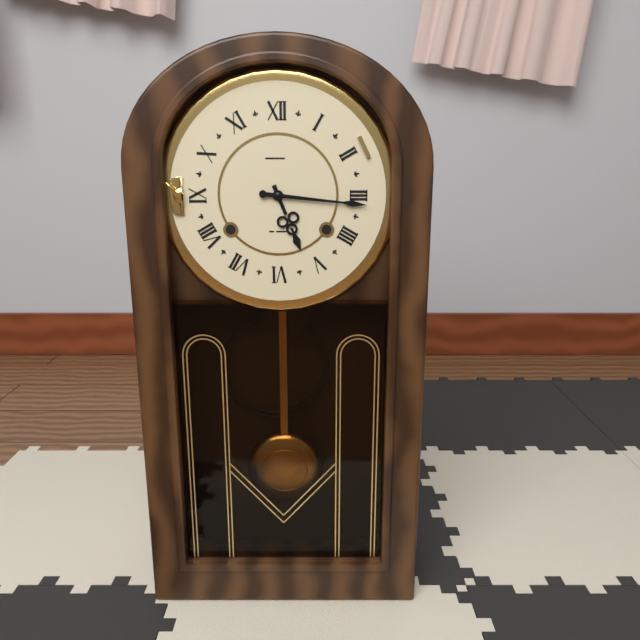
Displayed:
5.16
